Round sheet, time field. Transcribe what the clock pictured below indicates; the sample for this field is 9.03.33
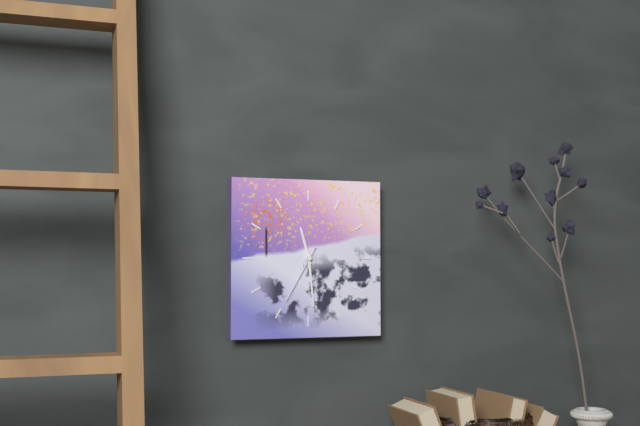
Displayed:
11.29.35
